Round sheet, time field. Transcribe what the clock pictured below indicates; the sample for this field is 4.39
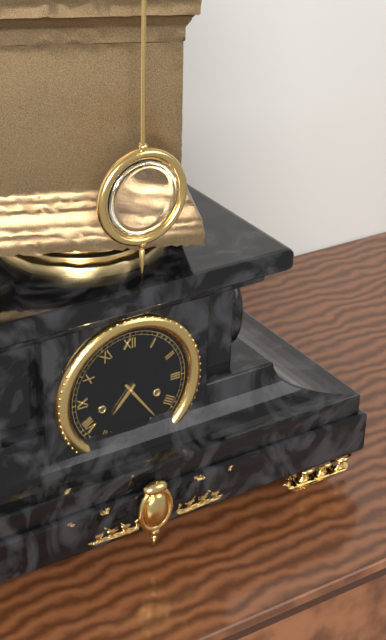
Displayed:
7.24
